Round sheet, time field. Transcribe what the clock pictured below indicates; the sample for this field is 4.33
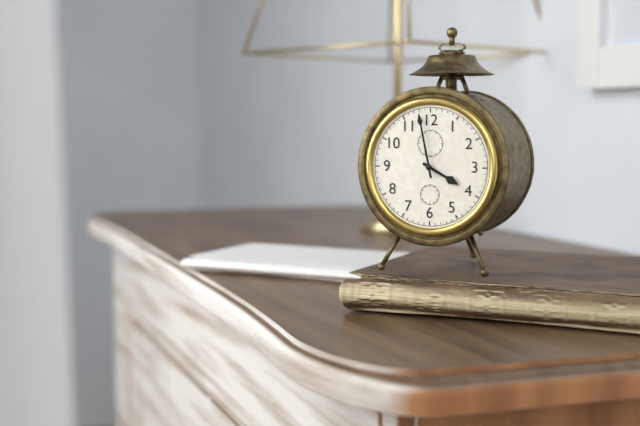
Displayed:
3.58
